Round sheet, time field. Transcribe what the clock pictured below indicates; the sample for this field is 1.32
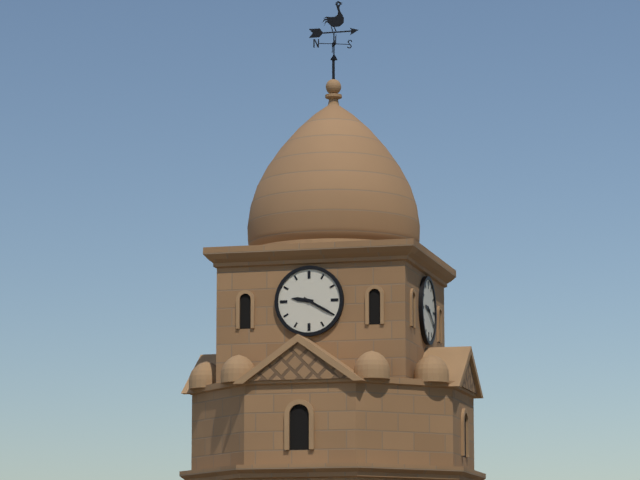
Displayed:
9.20
